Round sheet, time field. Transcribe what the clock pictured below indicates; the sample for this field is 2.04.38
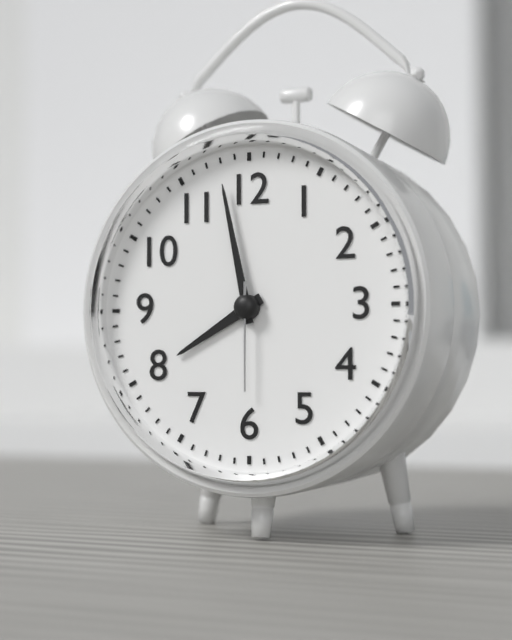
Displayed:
7.58.30
